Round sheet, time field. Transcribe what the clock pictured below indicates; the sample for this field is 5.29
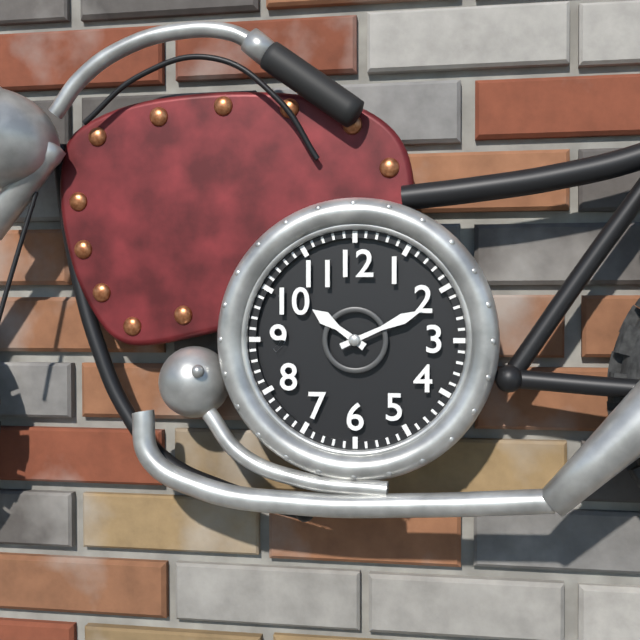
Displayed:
10.11
